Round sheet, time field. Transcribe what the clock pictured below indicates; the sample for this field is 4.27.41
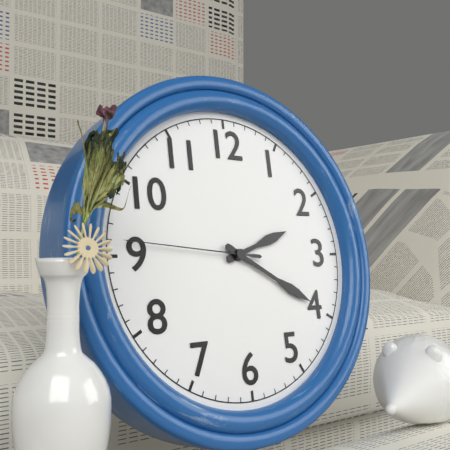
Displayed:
2.20.46
